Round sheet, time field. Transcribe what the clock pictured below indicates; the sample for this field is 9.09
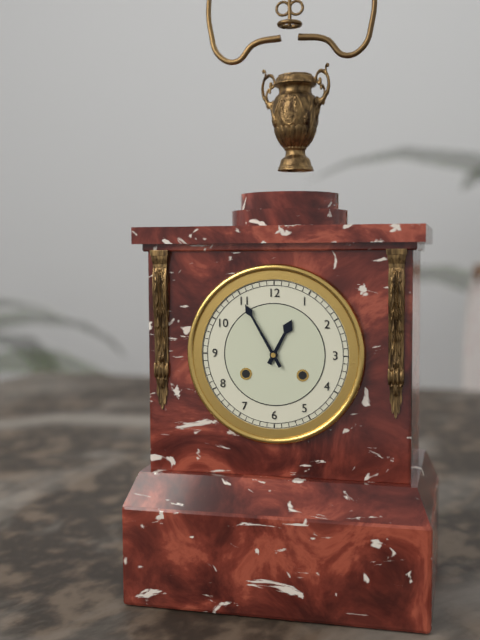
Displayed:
12.55
